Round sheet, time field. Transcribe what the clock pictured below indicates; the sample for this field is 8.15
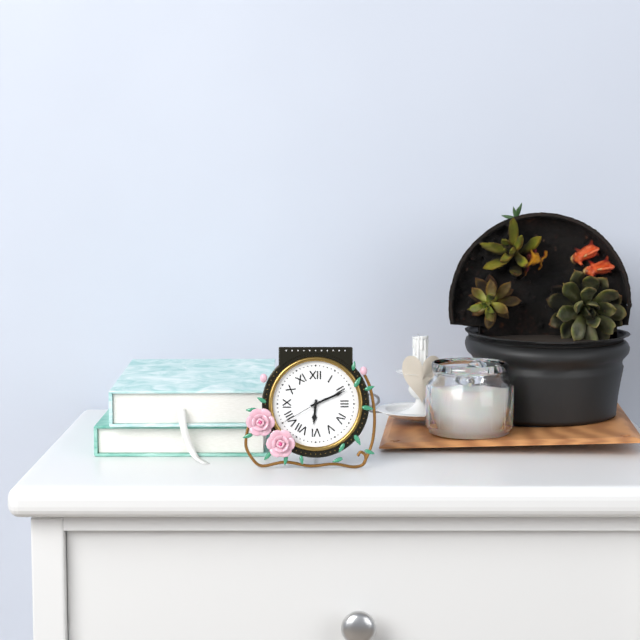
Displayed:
6.11
